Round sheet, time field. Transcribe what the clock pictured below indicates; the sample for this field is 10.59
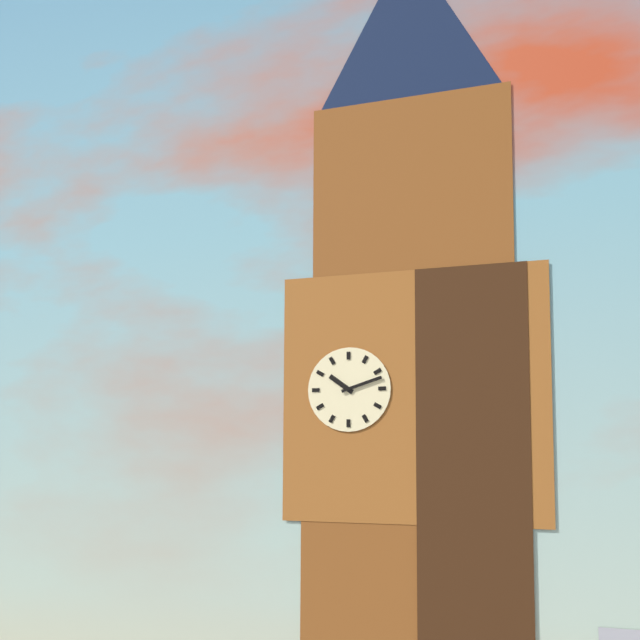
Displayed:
10.12
